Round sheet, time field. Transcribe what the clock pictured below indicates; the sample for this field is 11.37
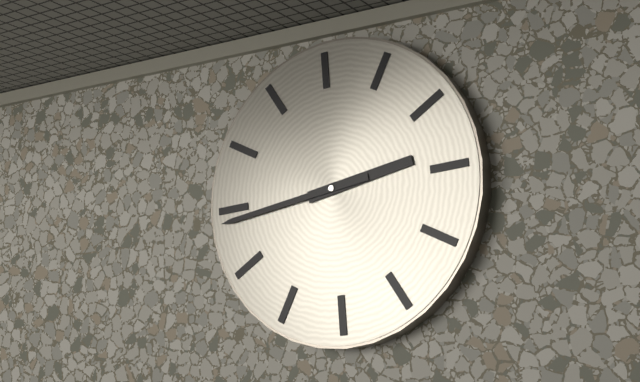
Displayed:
2.44
